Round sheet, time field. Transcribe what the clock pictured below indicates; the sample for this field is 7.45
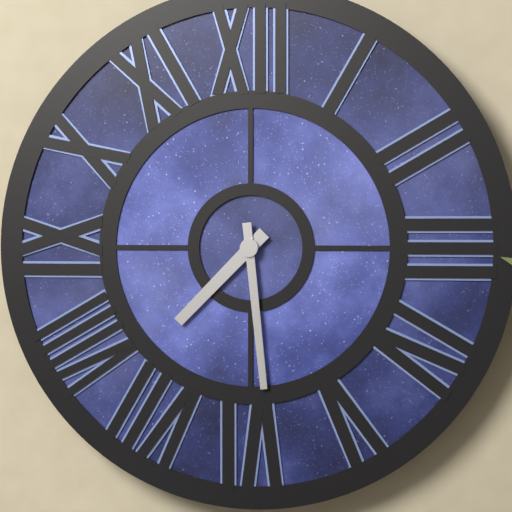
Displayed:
7.29
